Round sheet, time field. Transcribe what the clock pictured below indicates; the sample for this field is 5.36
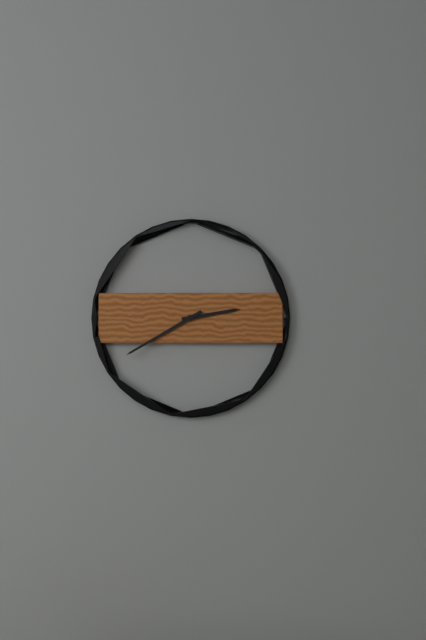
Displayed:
2.40
